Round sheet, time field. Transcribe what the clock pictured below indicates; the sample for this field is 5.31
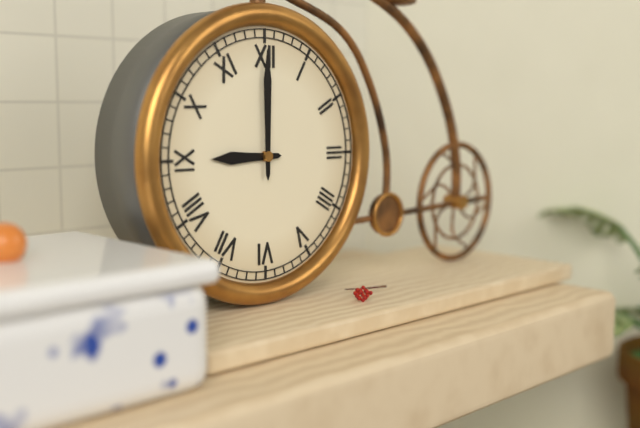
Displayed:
9.00
